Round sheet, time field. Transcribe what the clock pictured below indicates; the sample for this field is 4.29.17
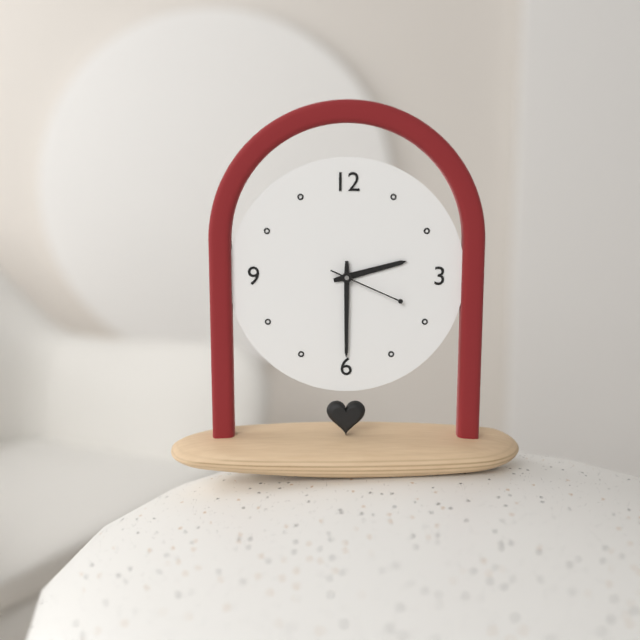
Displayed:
2.30.19
